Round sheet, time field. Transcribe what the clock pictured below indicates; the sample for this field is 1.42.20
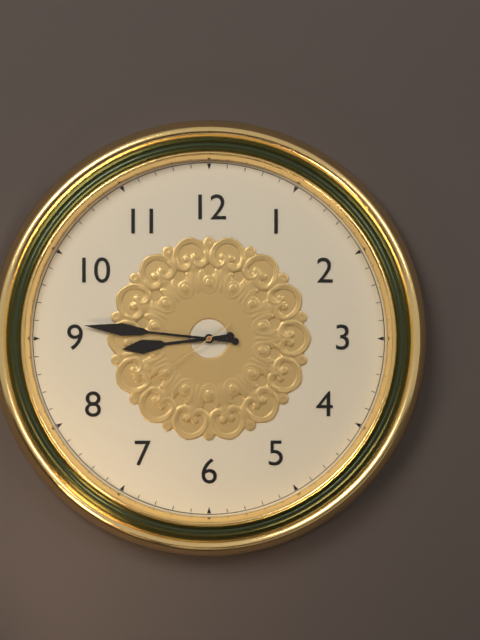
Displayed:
8.46.39
